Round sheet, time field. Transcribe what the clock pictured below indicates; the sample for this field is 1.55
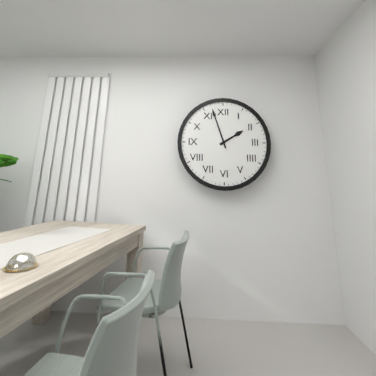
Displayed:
1.57
